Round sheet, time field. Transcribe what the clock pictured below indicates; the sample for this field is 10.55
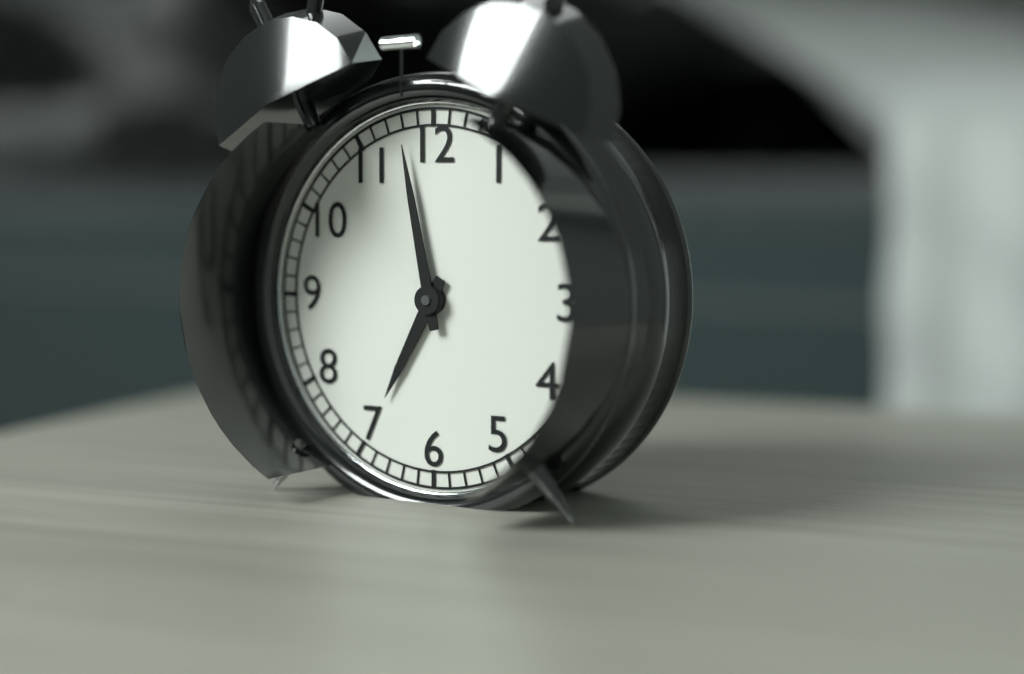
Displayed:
6.58
